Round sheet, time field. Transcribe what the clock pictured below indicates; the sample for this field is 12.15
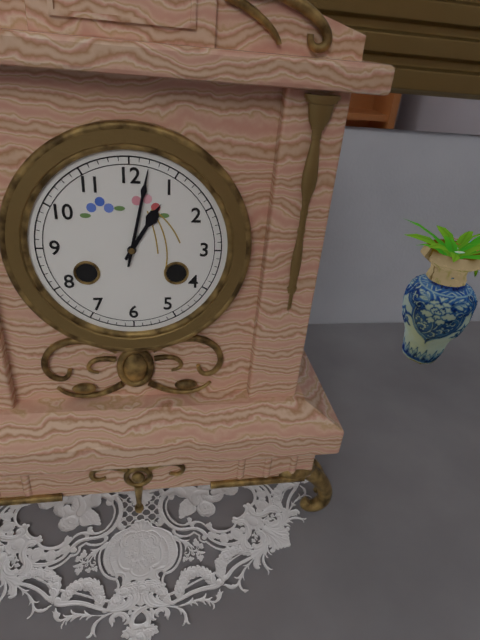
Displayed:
1.02
